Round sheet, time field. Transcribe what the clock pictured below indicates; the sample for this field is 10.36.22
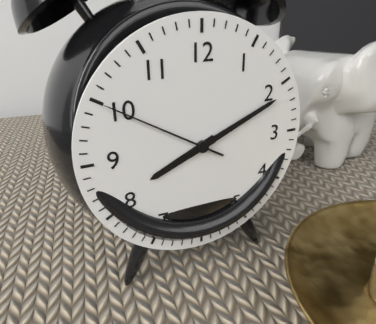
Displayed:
8.11.50
